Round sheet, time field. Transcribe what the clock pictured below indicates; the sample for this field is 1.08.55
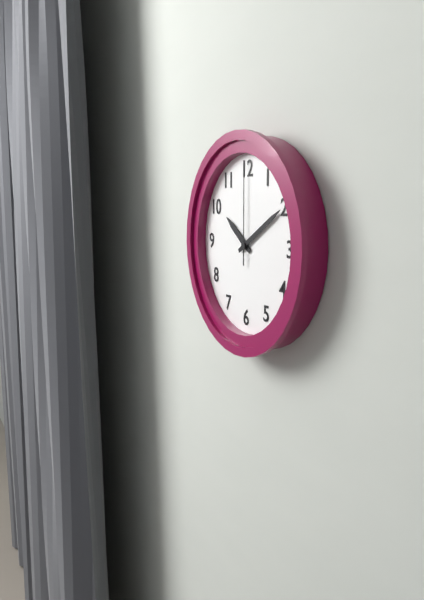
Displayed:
10.10.00
